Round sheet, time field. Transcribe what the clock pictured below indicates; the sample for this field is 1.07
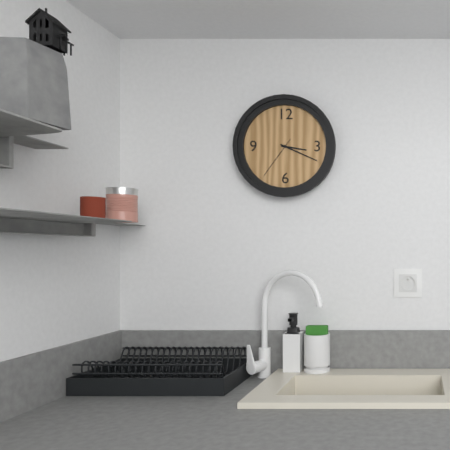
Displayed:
3.19
